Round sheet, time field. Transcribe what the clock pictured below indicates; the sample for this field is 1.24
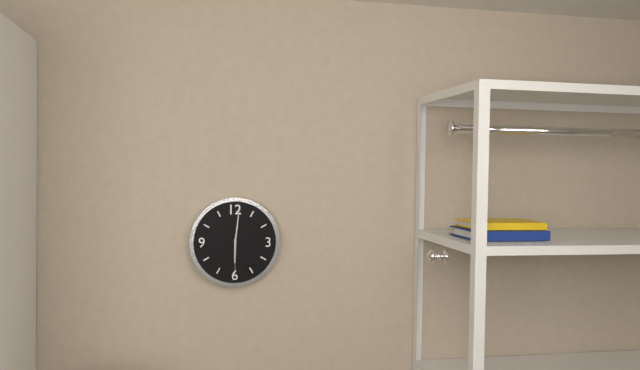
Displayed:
6.01
